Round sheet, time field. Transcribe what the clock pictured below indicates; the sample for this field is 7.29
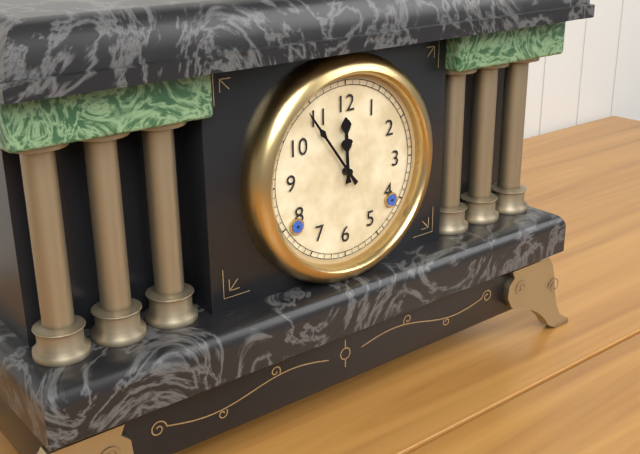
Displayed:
11.54
